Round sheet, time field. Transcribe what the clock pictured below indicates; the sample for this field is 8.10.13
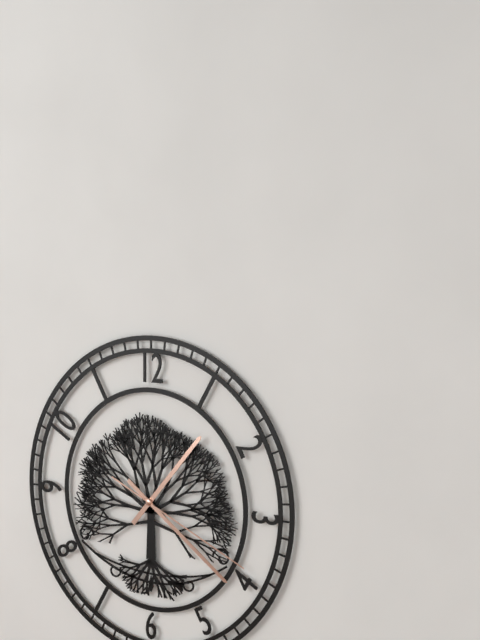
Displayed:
1.21.19
